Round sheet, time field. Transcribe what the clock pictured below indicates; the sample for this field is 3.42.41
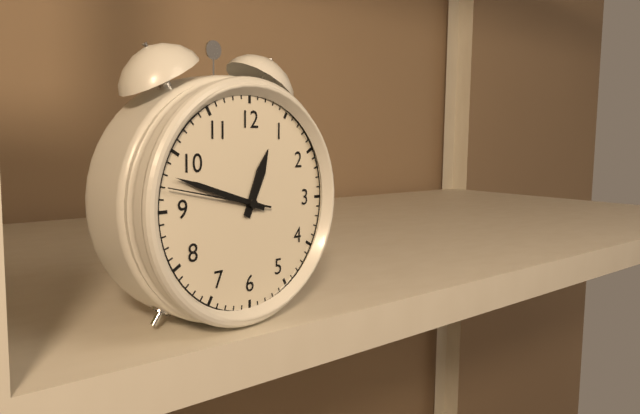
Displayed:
12.48.47
